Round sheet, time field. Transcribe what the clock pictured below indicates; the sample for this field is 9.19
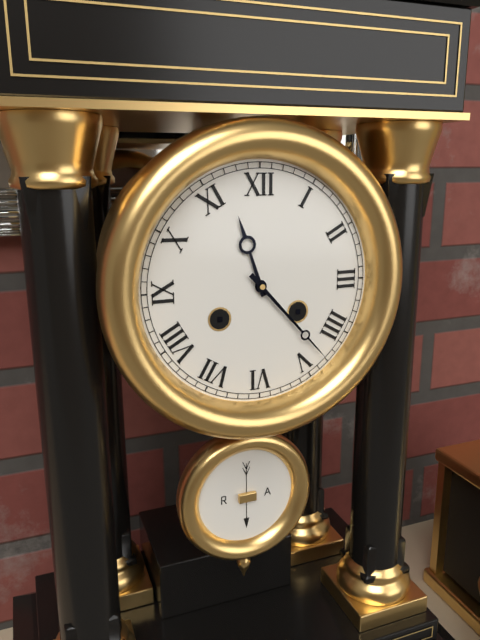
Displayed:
11.23
